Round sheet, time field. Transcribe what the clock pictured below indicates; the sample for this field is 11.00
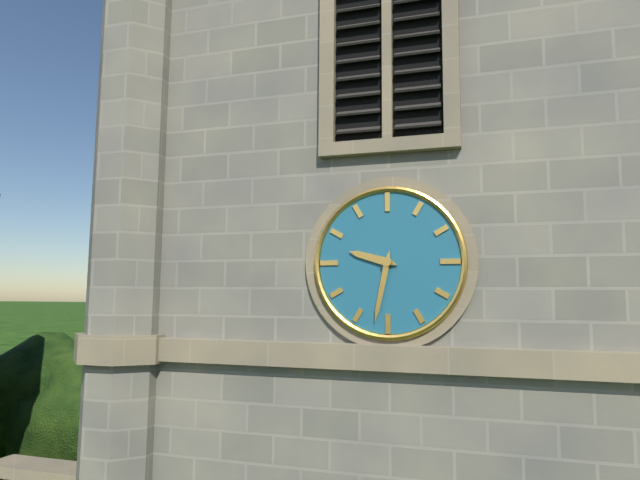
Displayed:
9.32
